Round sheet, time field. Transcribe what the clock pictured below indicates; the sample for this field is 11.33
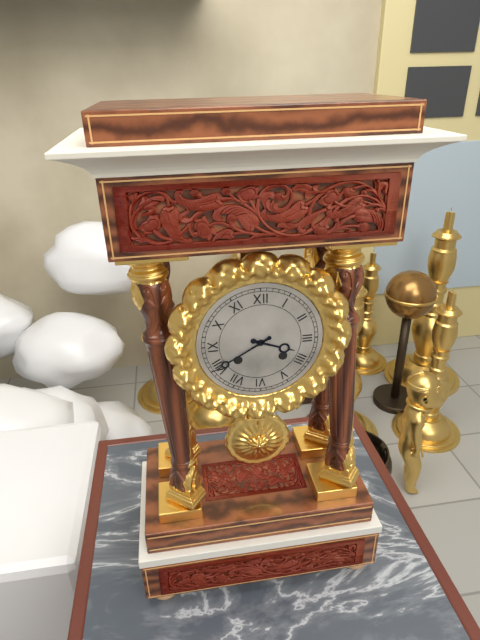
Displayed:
3.40
